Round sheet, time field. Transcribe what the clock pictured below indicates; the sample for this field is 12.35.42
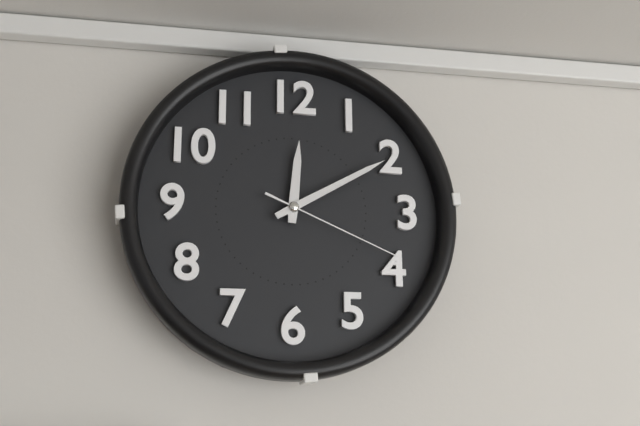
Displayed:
12.10.19
